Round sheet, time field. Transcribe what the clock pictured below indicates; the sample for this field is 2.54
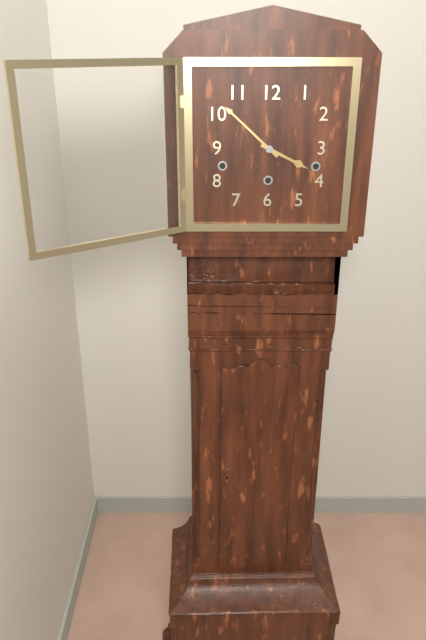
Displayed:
3.52
